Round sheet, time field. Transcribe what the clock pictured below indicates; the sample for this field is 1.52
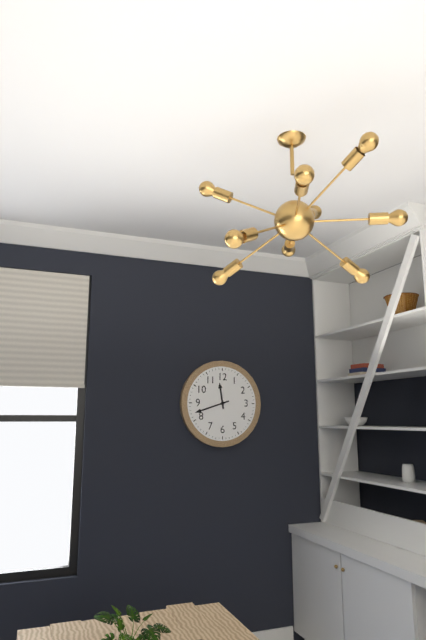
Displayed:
11.42
